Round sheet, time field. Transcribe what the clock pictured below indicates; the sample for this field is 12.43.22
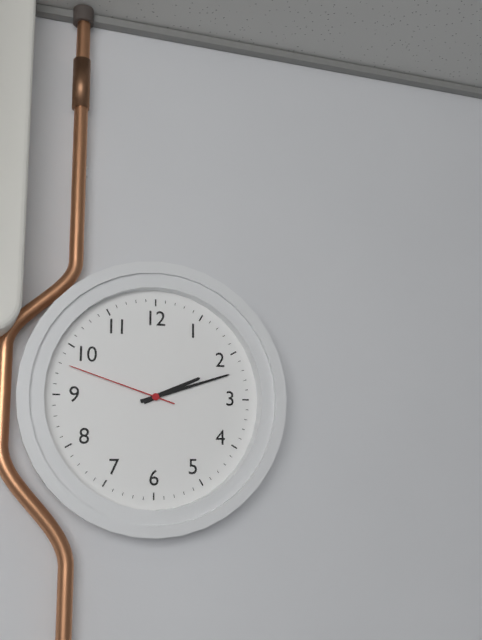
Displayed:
2.12.48
